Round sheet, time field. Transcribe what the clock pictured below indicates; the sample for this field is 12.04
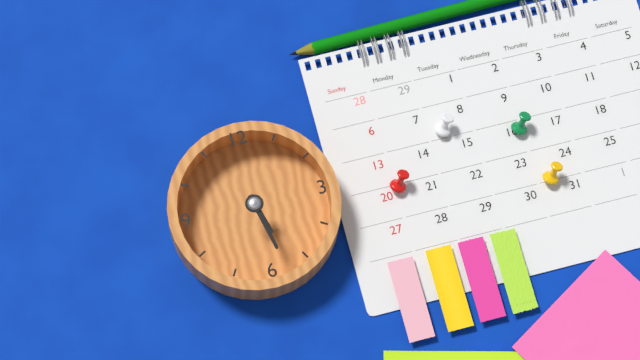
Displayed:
5.28
